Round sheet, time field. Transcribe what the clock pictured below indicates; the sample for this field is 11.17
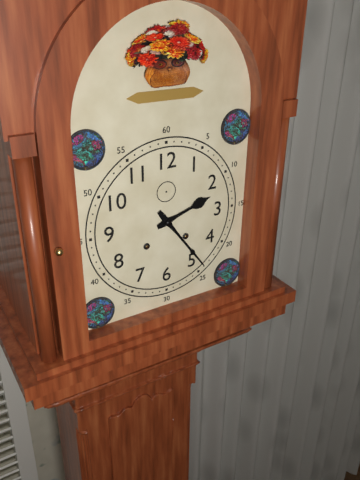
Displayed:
2.24
